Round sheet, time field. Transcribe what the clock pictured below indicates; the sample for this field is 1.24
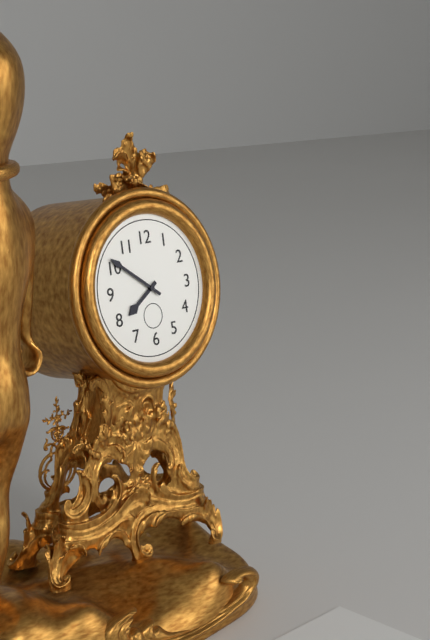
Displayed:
7.51
